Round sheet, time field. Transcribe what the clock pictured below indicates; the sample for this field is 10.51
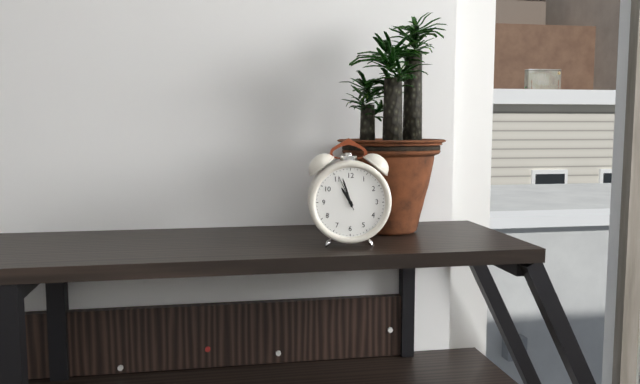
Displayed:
10.57
